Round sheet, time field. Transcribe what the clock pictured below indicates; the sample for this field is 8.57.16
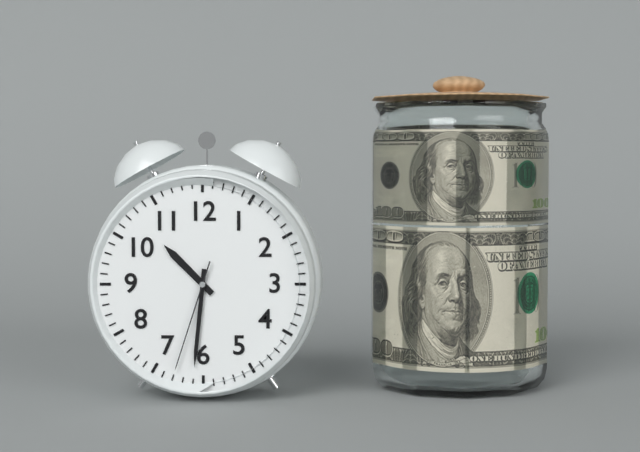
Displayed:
10.31.33
